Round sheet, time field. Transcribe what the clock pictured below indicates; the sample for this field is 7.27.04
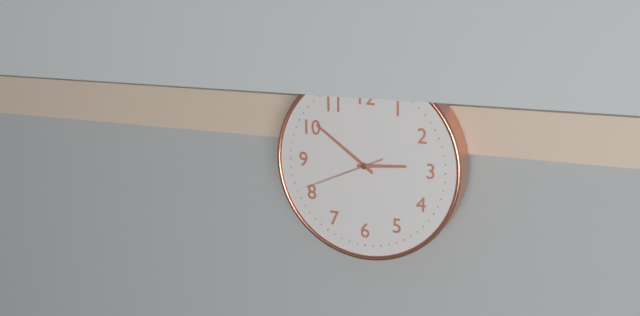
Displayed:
2.51.41
